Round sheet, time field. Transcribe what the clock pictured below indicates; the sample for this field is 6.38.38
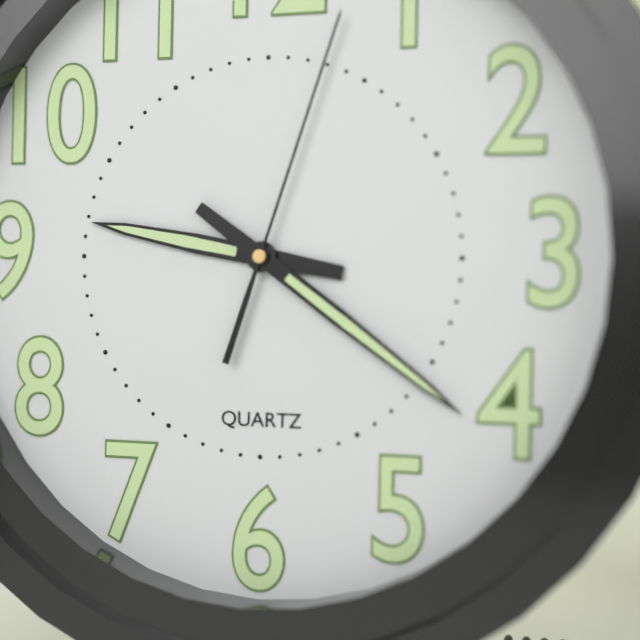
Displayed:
9.21.03
